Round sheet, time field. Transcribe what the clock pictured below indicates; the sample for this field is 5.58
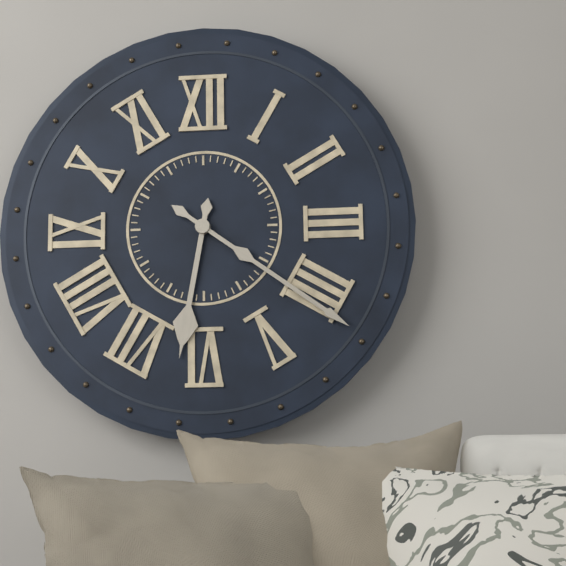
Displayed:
6.21
